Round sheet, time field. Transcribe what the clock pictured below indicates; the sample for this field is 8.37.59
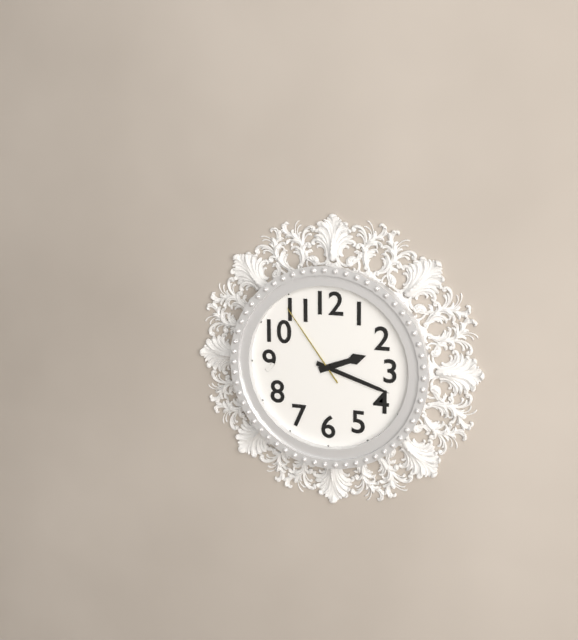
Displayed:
2.18.54
